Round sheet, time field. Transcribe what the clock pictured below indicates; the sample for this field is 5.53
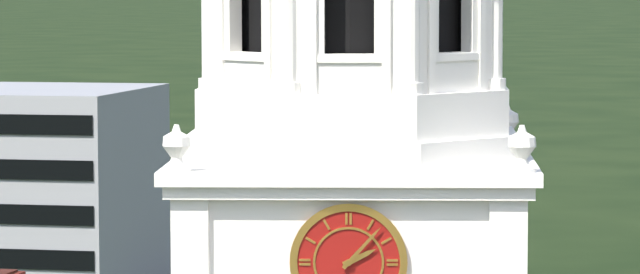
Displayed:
2.07
